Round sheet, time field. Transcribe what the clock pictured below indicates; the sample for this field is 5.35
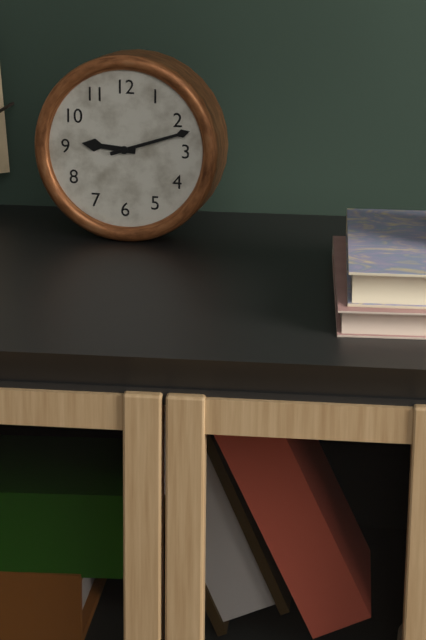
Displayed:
9.12
